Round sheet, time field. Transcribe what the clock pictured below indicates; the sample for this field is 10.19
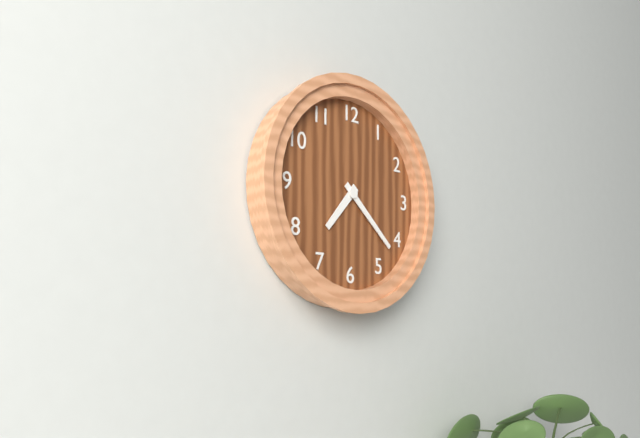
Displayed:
7.22
